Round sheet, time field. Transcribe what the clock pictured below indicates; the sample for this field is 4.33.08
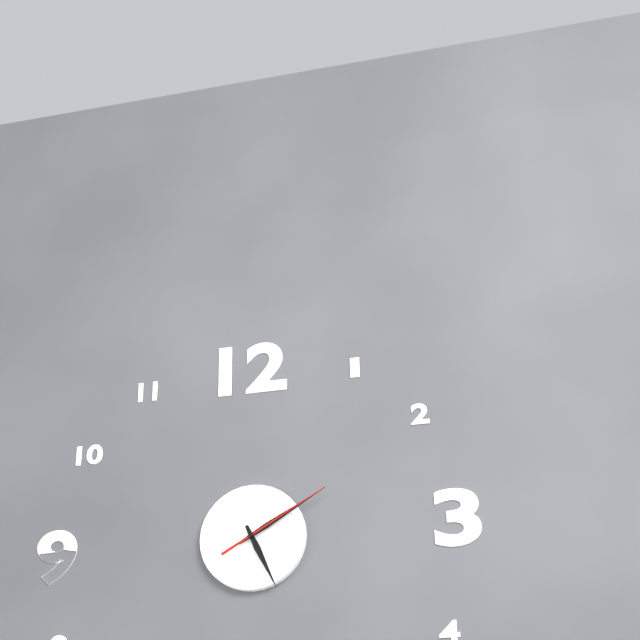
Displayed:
5.10.10
